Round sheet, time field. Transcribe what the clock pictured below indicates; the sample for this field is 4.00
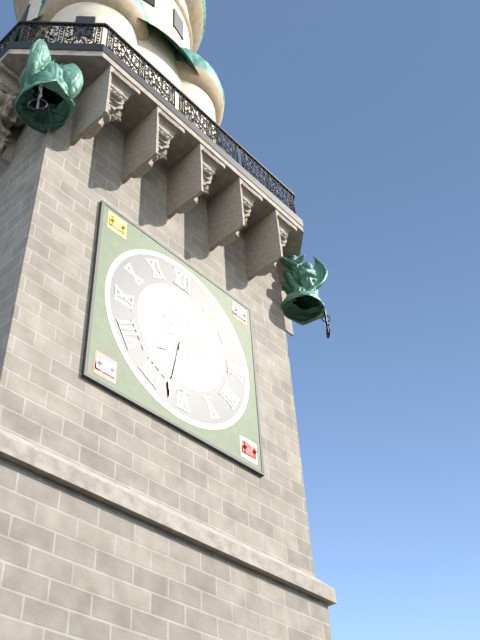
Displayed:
7.32
